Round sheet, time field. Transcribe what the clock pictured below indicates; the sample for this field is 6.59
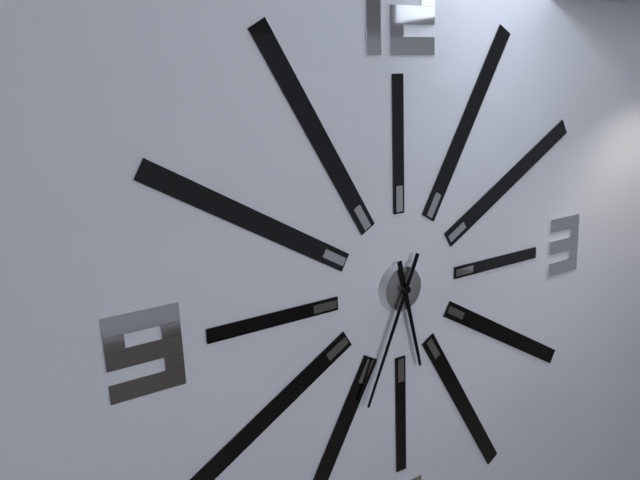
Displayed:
5.34
